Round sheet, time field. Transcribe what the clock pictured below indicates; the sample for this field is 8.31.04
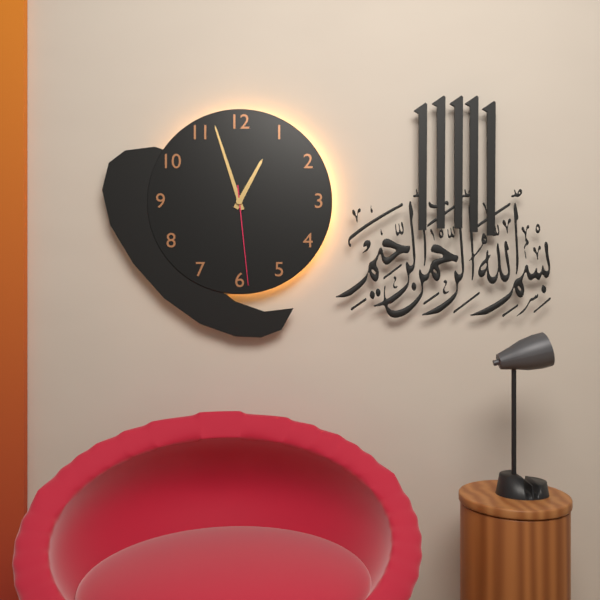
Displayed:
12.57.29
